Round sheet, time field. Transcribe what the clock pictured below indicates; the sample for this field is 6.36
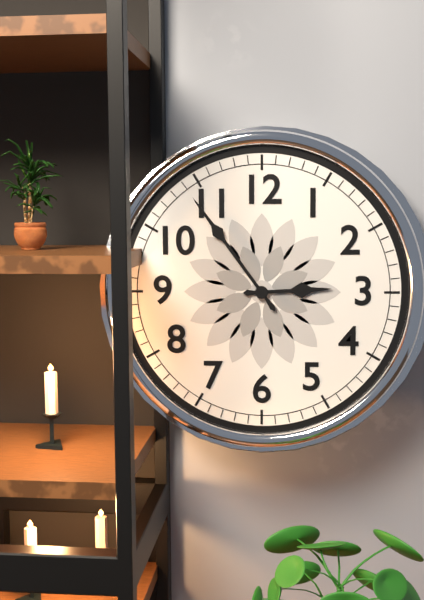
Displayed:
2.54
